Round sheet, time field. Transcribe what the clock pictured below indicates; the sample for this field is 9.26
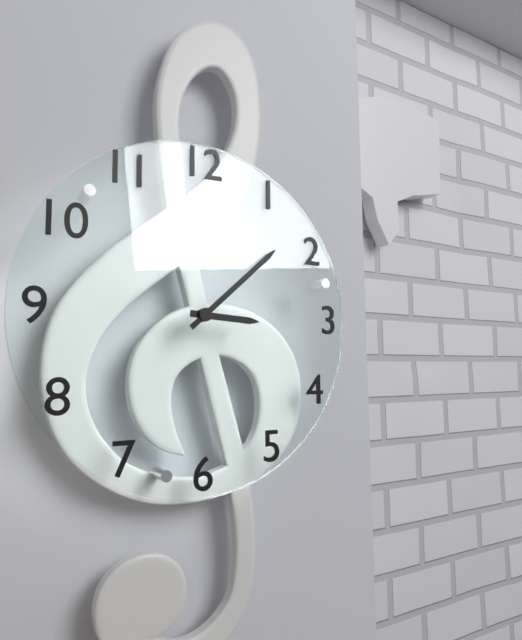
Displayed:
3.08
